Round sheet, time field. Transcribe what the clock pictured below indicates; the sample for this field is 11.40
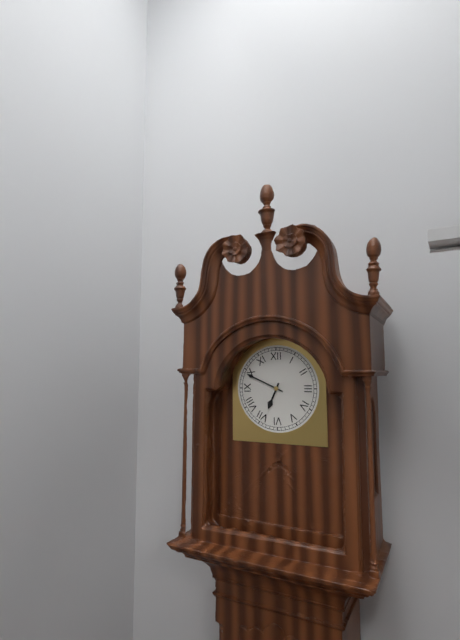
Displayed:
6.49
